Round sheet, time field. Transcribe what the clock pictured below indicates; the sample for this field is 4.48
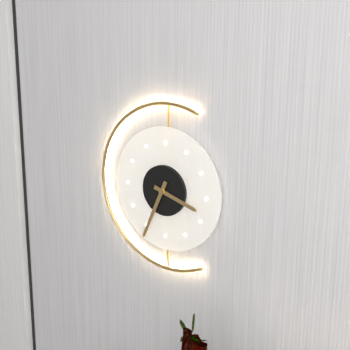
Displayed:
3.34
